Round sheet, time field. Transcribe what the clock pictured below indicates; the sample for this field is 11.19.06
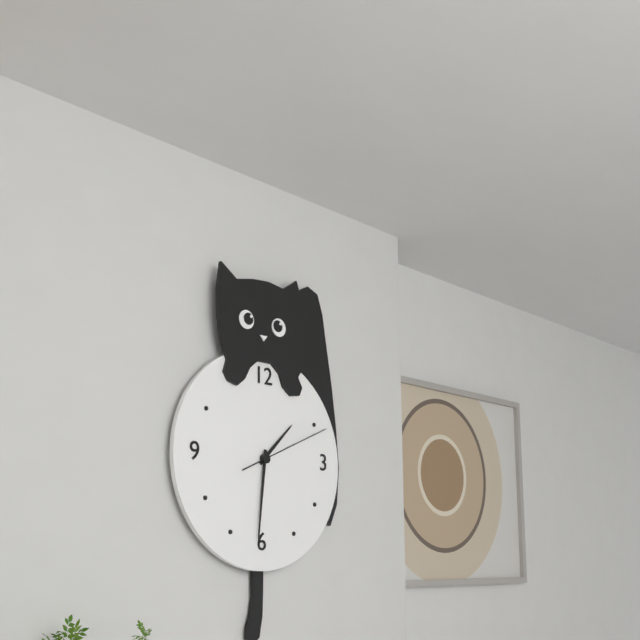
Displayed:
1.31.11
